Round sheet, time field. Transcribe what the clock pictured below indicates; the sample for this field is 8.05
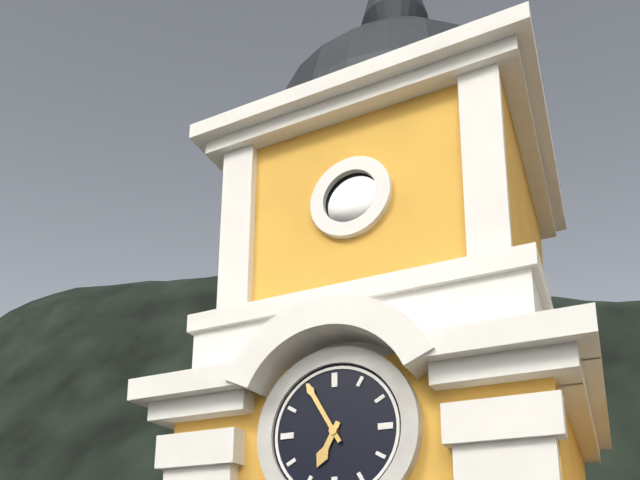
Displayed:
6.55
